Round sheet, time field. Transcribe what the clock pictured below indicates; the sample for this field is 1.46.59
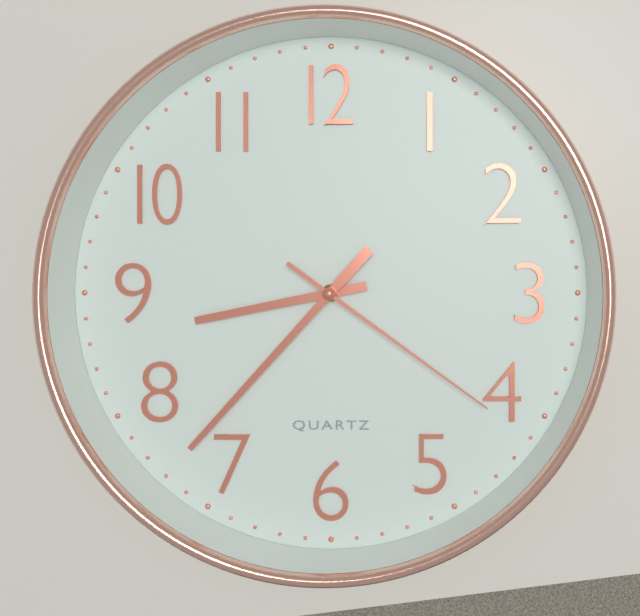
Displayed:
8.37.21
